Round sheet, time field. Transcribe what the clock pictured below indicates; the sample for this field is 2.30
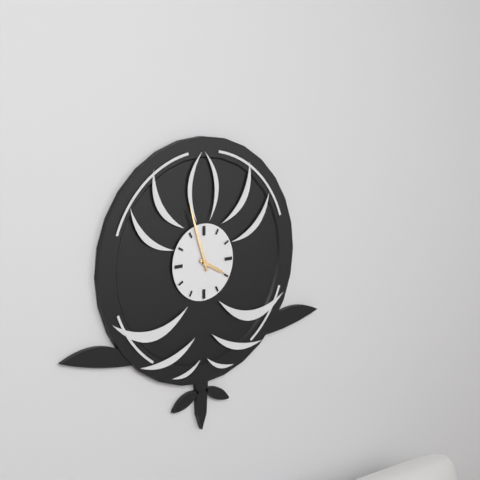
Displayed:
3.57
